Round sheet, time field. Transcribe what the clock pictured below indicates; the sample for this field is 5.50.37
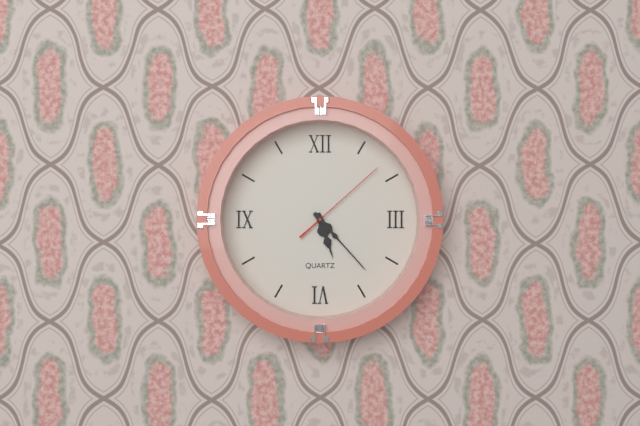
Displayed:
5.23.08
